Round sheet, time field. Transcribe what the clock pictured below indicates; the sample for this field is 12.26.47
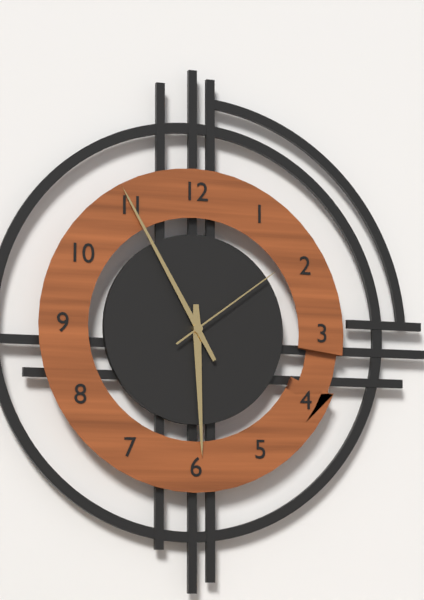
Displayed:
5.55.09
